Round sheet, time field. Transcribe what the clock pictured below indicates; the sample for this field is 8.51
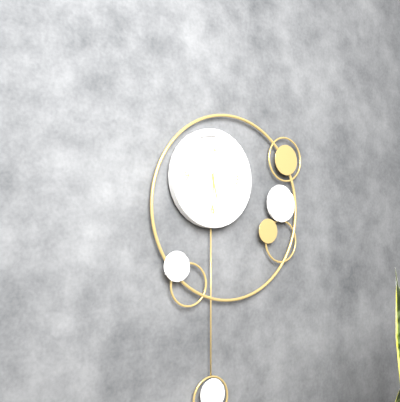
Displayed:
5.30
